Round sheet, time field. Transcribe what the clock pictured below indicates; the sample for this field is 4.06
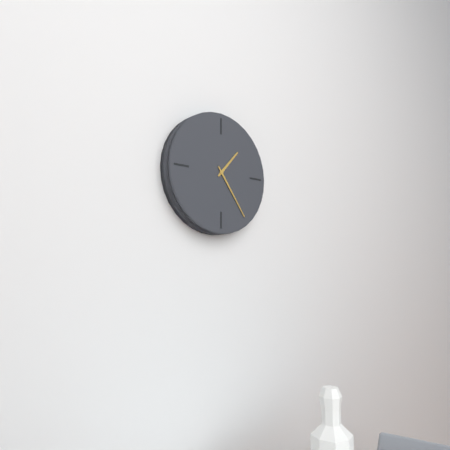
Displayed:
1.24
